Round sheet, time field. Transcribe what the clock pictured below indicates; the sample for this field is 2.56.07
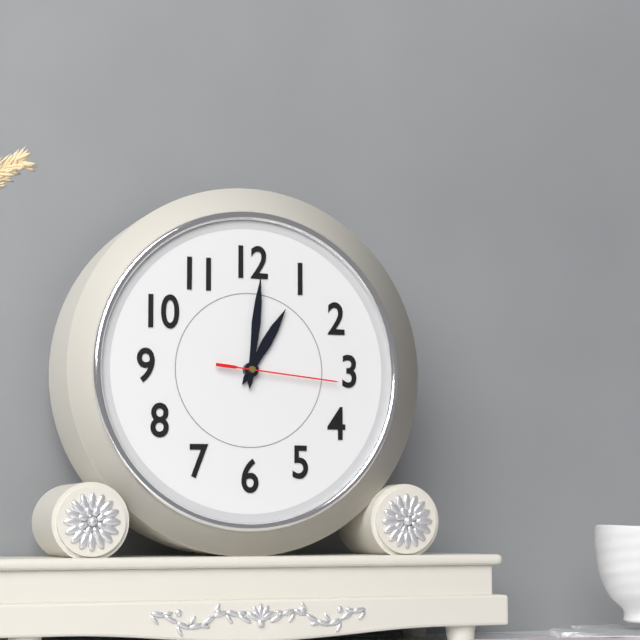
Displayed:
1.01.16
